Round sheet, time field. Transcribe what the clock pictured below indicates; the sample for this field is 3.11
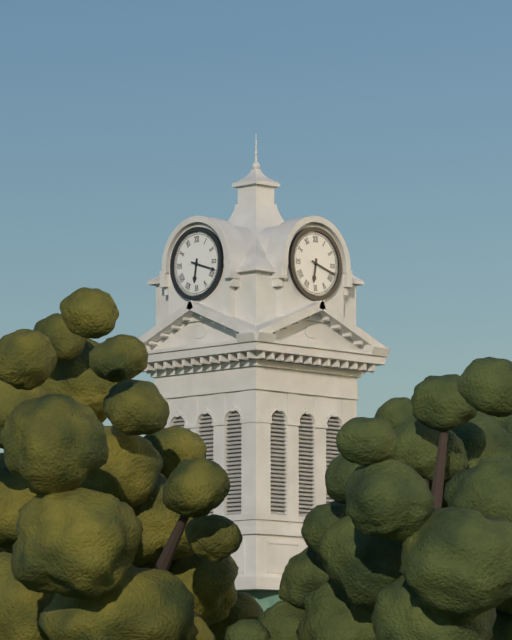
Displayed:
6.18
